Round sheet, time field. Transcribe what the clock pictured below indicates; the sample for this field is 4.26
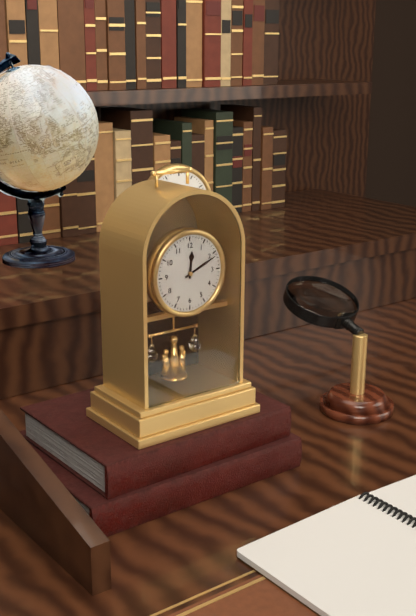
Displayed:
12.11
